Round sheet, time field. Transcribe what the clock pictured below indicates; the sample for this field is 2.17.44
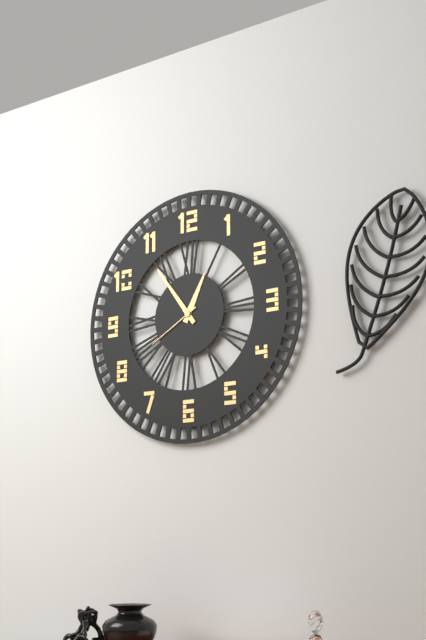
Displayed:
12.54.40
